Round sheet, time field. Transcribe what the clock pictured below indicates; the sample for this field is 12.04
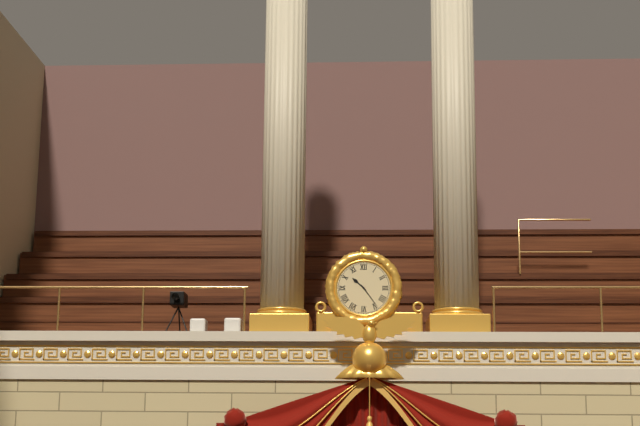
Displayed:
10.24
